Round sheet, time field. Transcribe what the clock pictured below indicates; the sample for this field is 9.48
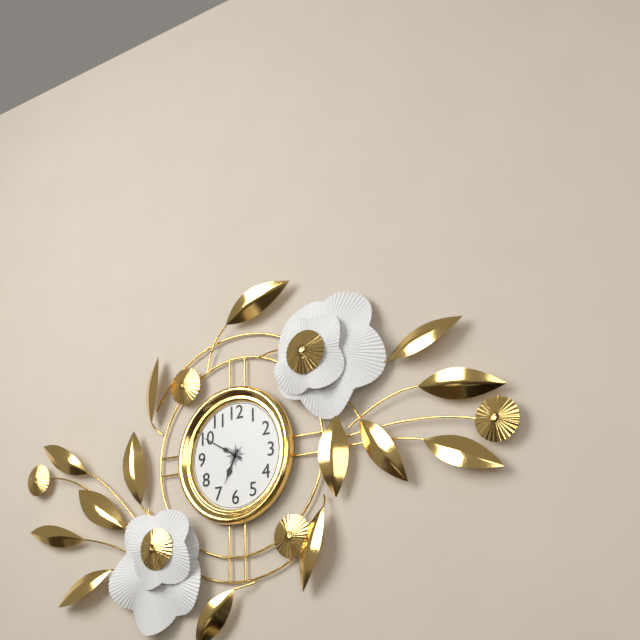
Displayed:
6.50
